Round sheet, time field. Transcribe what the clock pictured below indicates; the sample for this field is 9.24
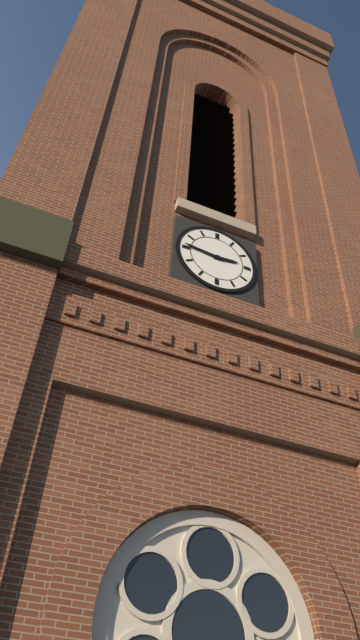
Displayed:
2.46
